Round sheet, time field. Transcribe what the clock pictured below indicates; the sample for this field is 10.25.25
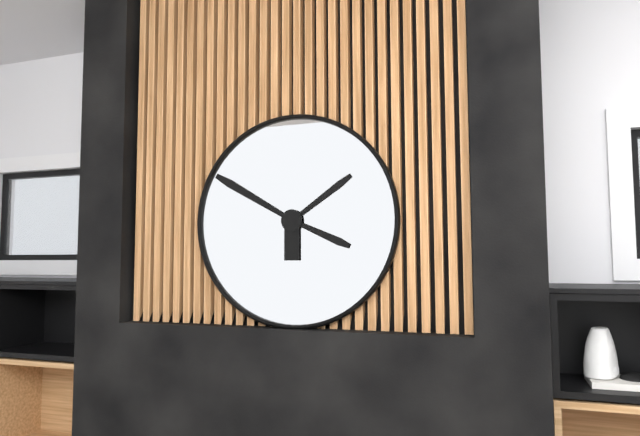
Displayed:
1.50.19
